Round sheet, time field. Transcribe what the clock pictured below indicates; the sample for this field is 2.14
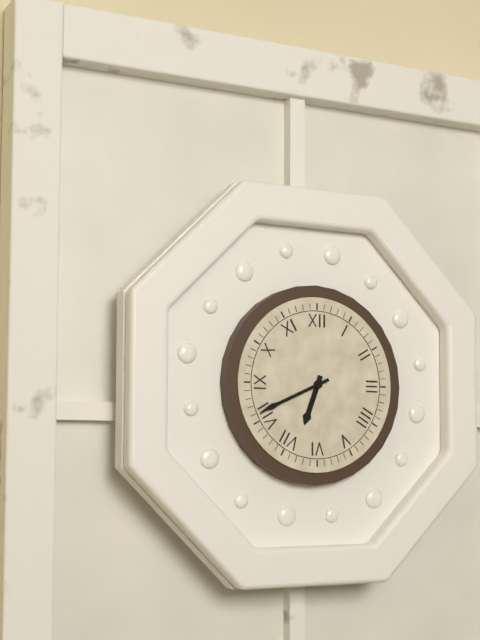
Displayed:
6.41
